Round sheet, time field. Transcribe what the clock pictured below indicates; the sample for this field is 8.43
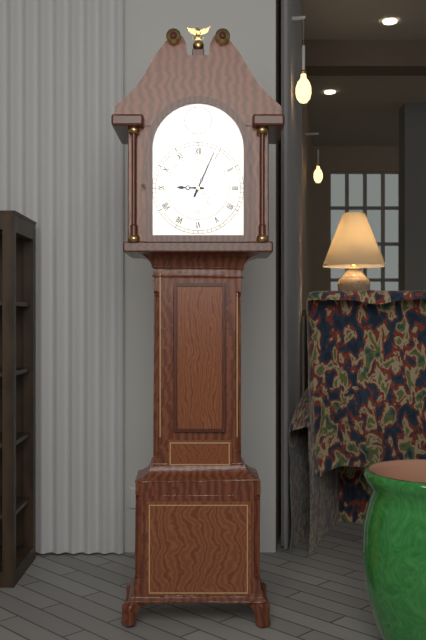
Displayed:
9.04
